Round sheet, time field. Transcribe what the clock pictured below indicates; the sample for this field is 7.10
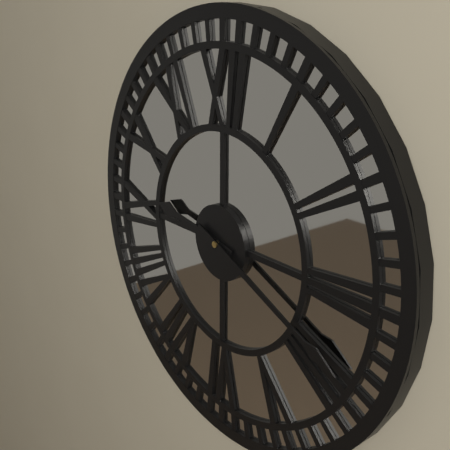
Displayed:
9.19
